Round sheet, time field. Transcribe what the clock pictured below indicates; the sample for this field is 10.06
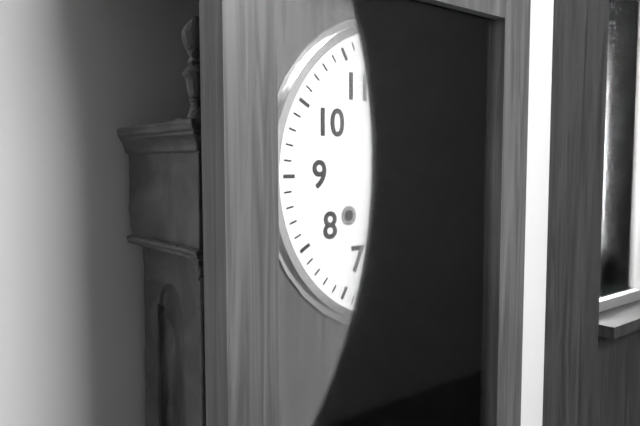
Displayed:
6.05
